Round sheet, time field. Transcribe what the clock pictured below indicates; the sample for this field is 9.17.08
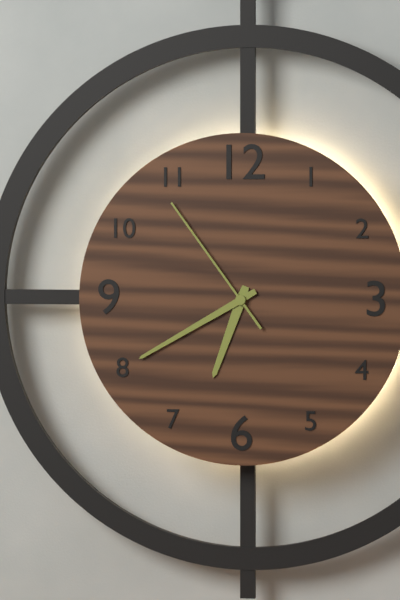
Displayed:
6.40.54
